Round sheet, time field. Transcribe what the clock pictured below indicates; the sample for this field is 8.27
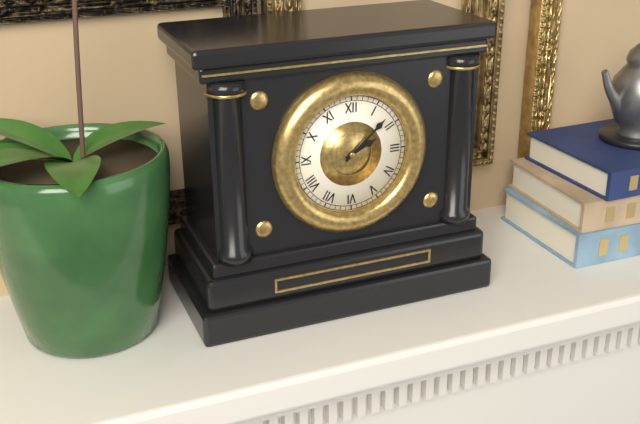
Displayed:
2.08
